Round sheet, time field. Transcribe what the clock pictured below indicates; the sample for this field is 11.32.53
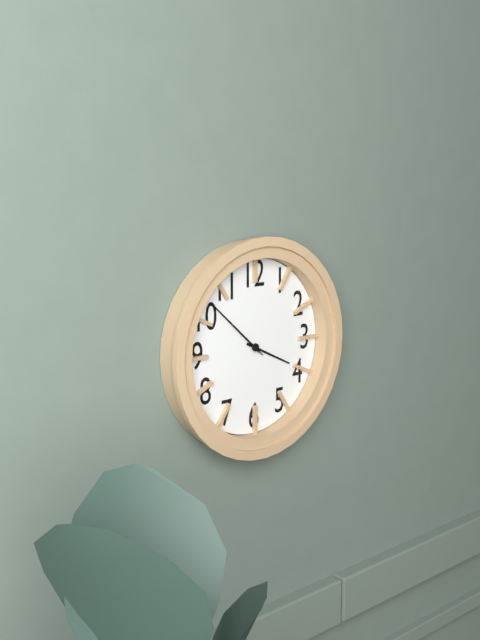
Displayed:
3.52.52
